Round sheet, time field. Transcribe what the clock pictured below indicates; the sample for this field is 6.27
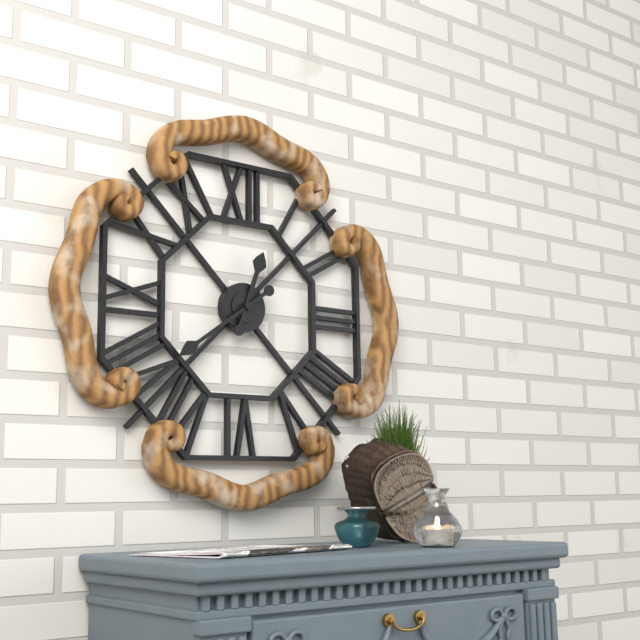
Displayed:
12.39
